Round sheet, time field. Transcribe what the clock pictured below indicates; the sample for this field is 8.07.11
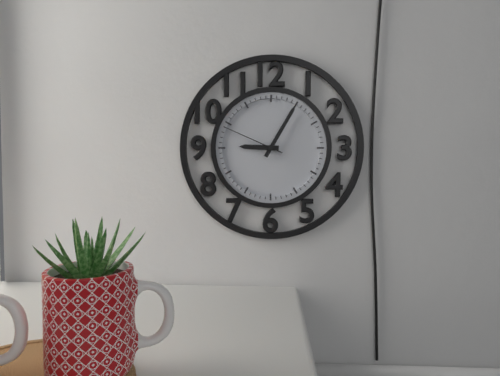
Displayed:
9.05.49
